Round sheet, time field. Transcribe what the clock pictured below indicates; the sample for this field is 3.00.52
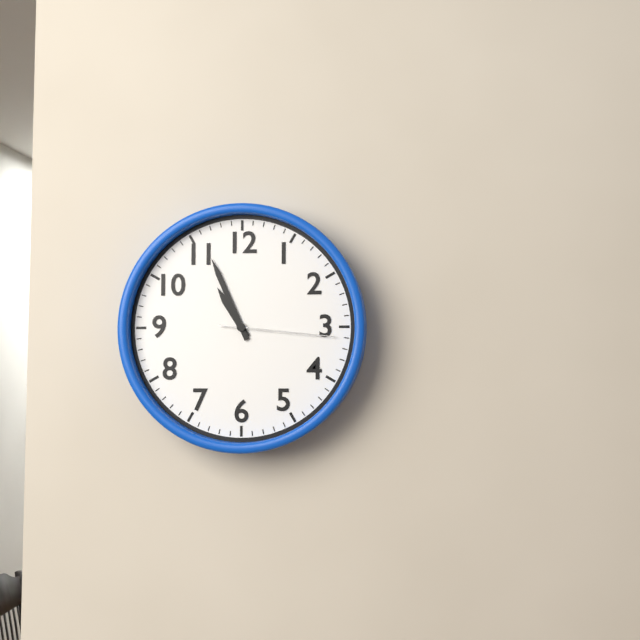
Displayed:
10.56.16
